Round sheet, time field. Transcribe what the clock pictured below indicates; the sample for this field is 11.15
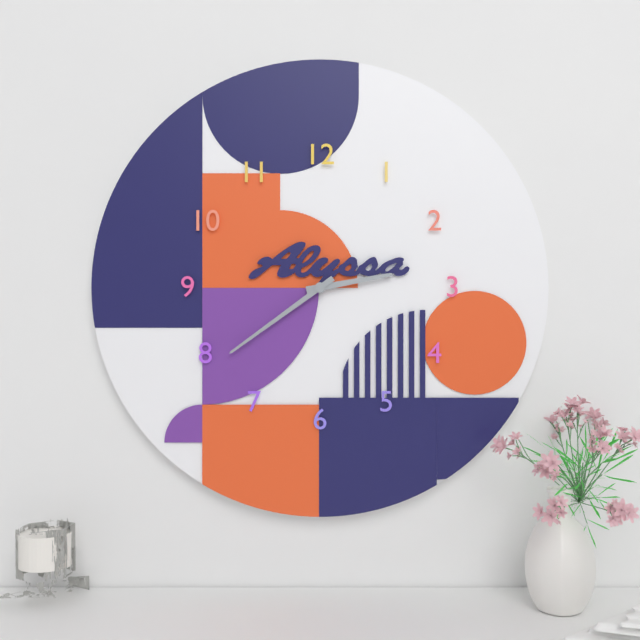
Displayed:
2.39
